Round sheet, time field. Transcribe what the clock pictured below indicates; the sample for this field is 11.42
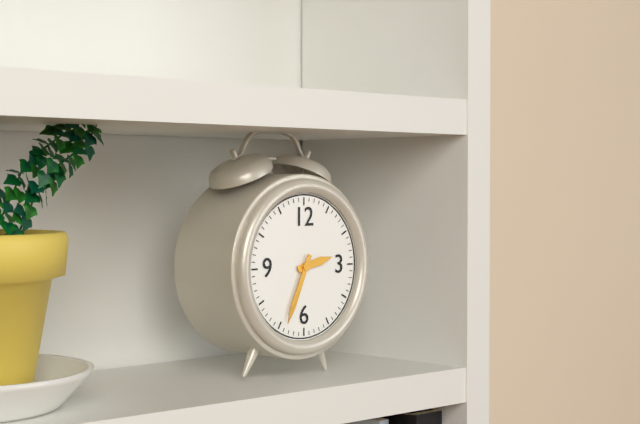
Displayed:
2.34
